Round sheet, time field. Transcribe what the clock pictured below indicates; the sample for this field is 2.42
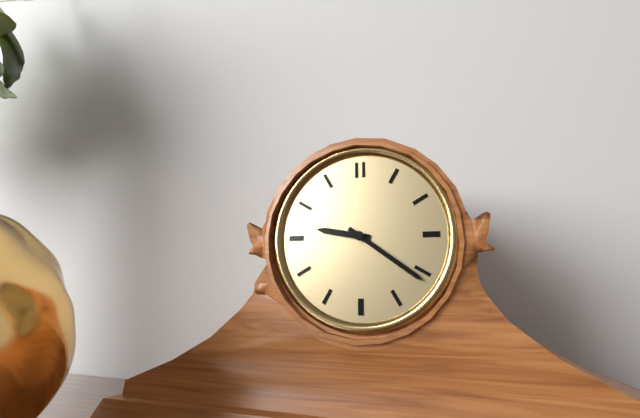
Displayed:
9.21
